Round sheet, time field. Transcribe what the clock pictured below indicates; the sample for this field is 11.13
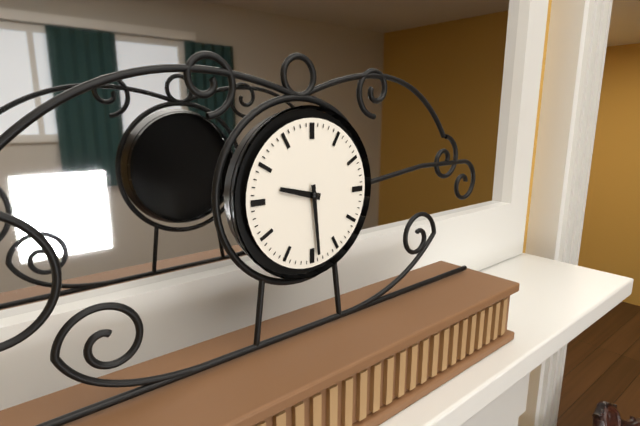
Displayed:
9.29
